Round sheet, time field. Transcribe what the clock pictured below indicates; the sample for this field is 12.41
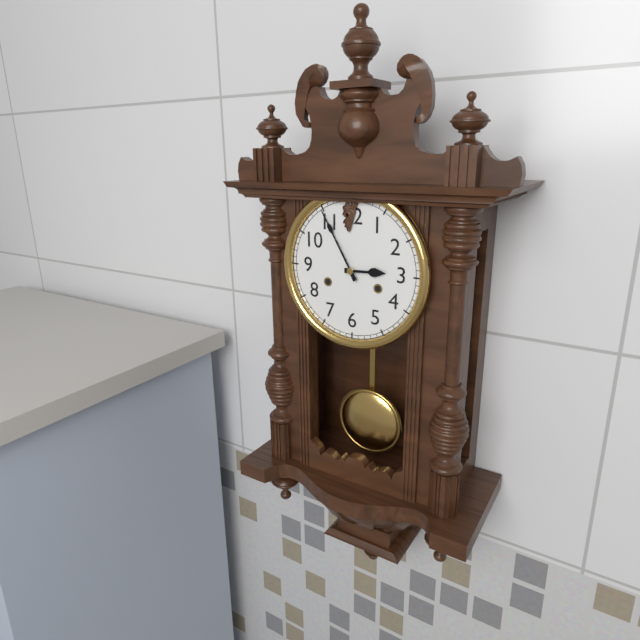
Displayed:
2.55
